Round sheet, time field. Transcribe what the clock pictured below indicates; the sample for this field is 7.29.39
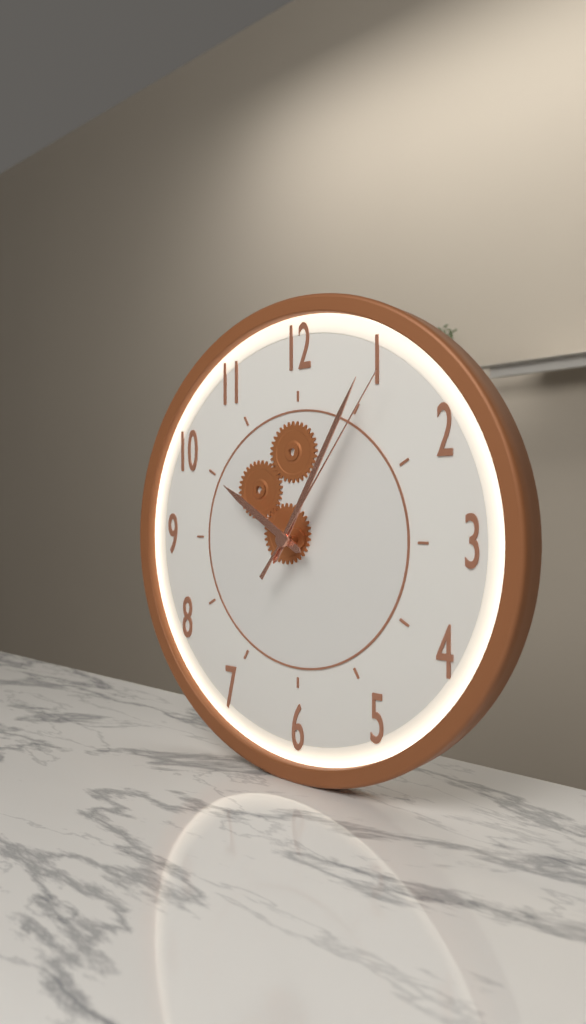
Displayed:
10.05.06
